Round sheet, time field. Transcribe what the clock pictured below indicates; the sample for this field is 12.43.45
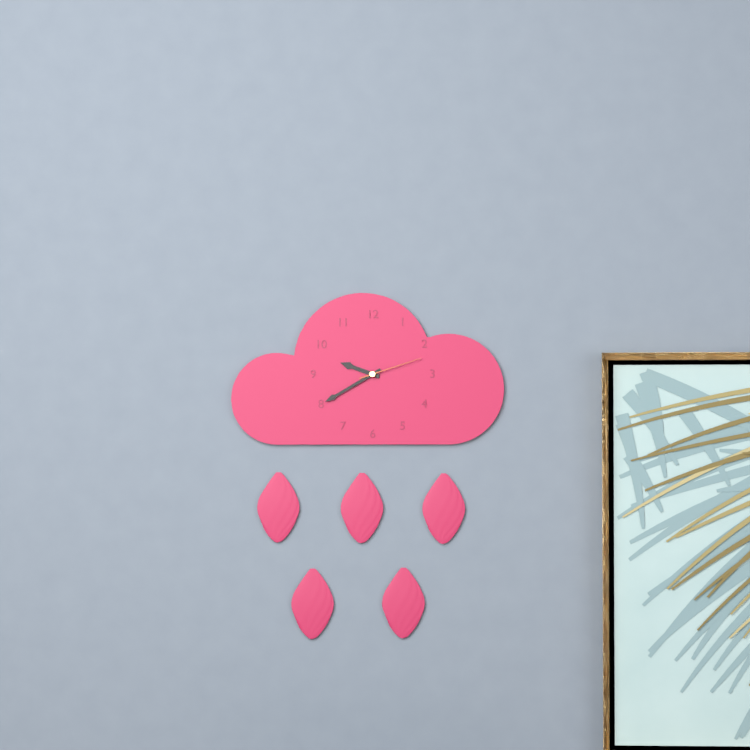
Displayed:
9.40.12
